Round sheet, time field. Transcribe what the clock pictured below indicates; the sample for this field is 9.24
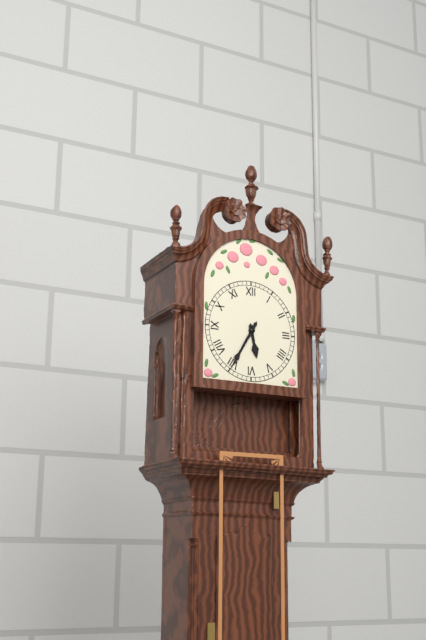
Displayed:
5.35
